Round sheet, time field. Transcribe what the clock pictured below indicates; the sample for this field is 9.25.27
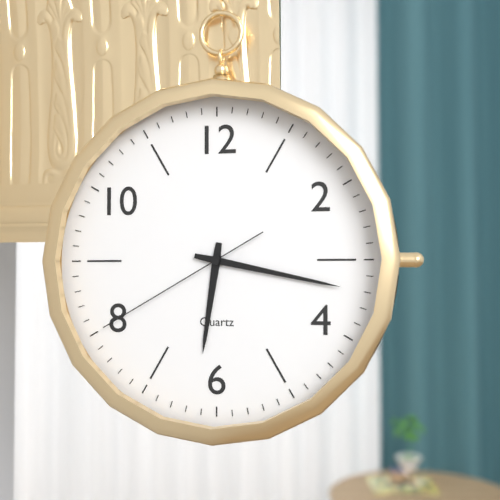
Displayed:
6.17.40
